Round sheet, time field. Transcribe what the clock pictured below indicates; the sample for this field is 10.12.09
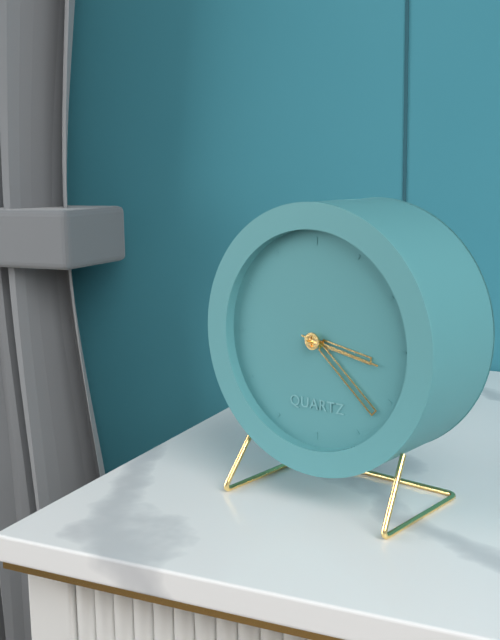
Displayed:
3.22.17
